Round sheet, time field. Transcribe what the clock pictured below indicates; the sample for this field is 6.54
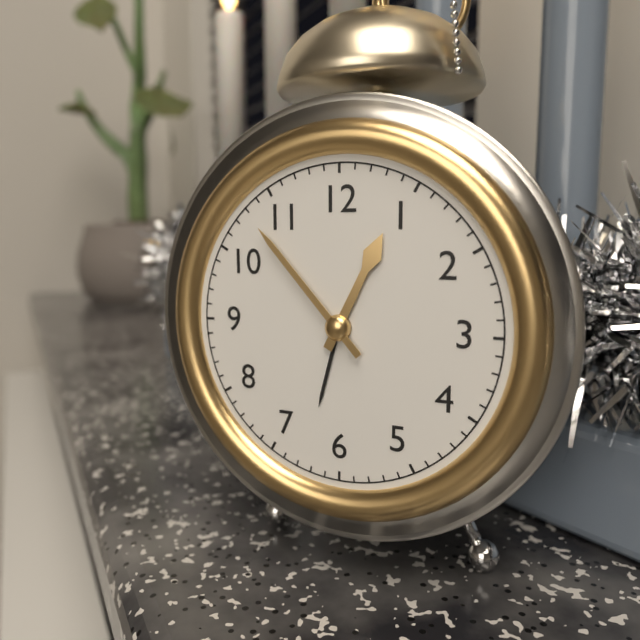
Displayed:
12.53
